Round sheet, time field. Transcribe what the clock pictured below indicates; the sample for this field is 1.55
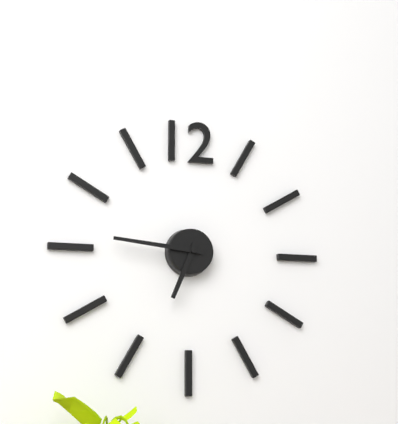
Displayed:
6.46
